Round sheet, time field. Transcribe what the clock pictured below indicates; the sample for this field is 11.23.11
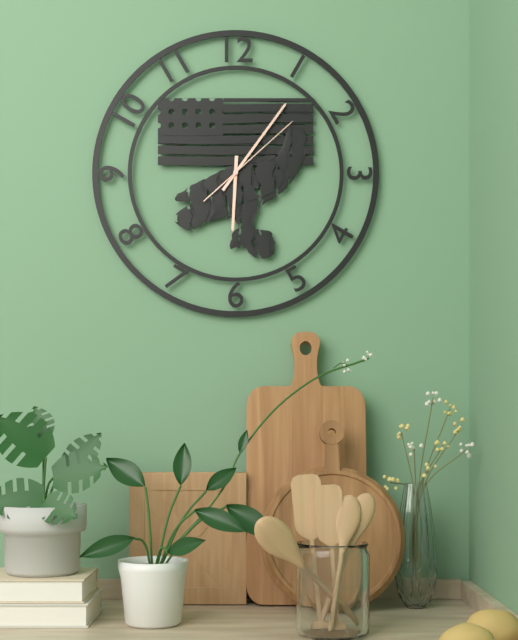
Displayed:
6.06.08
